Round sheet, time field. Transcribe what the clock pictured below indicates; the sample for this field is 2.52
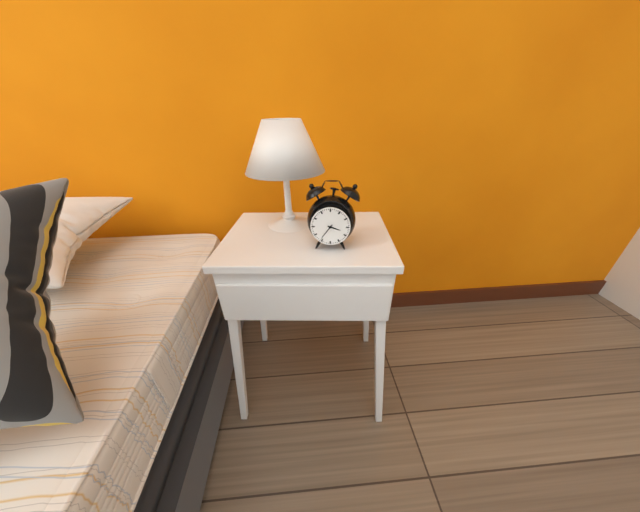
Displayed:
3.36
